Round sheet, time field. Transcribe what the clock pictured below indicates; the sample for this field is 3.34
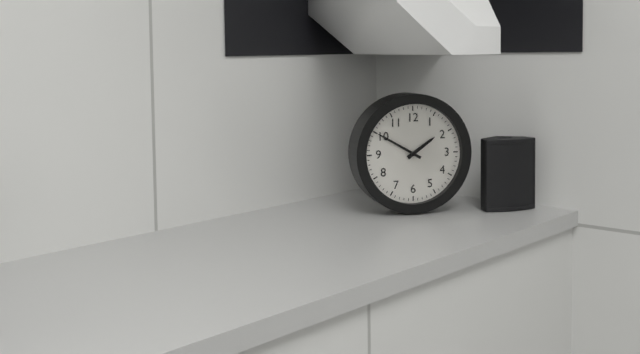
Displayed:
1.50
